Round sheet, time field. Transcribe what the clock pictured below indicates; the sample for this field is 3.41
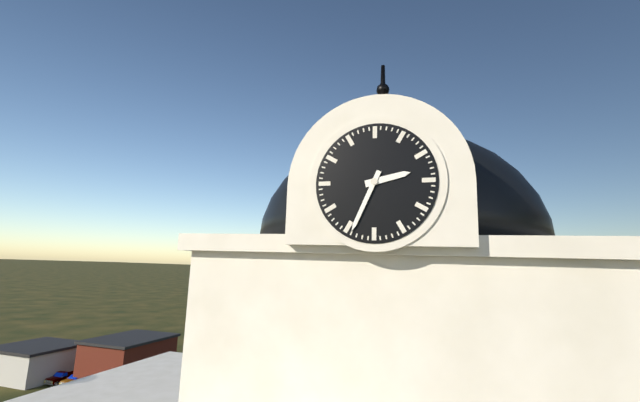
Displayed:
2.34
